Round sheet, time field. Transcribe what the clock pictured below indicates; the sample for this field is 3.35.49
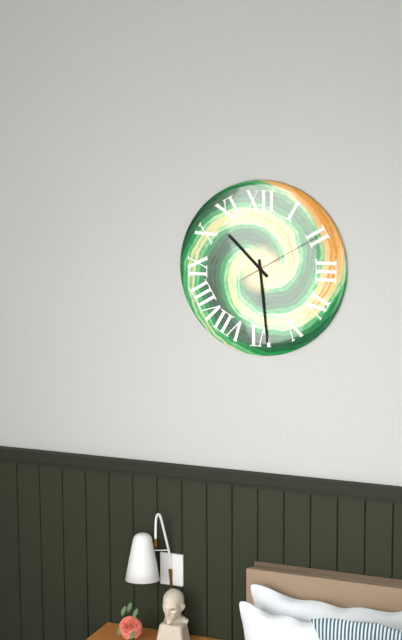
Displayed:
10.29.10
